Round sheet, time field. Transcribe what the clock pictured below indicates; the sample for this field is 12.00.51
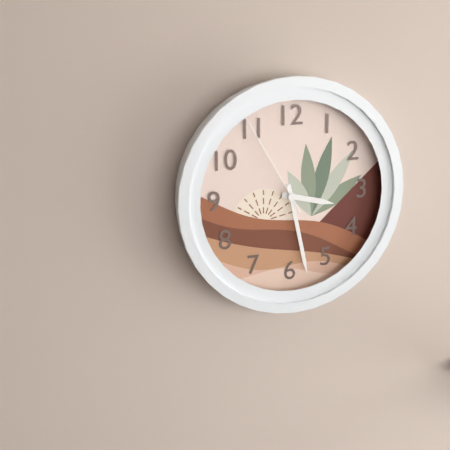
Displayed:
3.28.55
